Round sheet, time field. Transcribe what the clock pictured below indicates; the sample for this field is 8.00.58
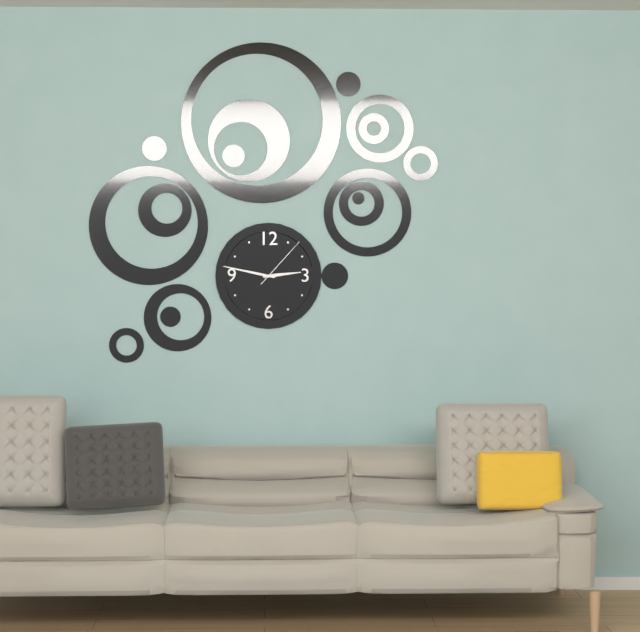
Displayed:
2.47.07
